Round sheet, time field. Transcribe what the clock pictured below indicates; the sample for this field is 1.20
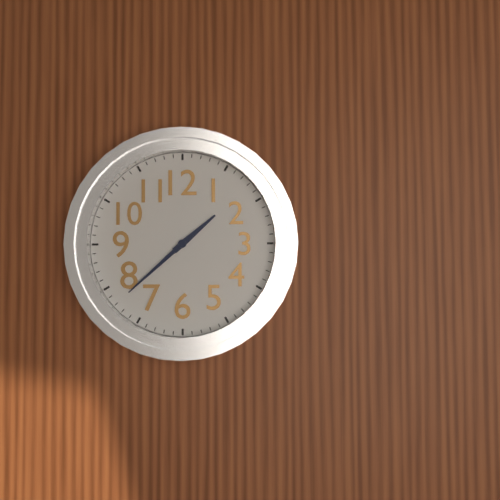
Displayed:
1.38
